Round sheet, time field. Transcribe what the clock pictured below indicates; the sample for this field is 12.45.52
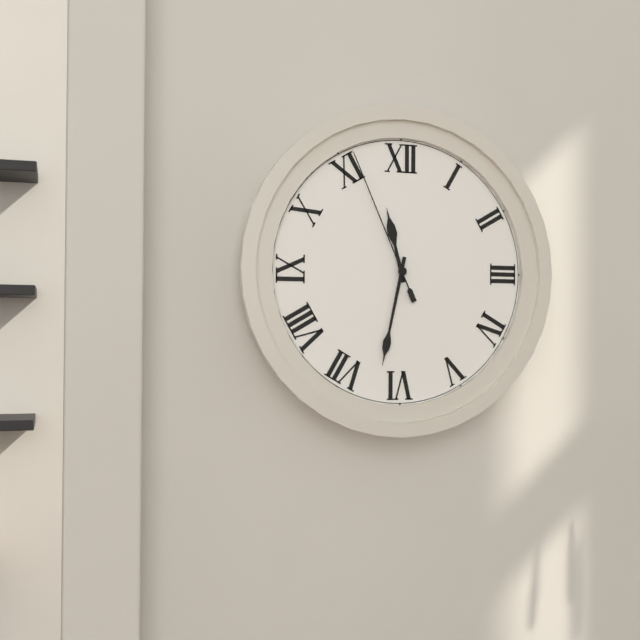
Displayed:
11.32.56
